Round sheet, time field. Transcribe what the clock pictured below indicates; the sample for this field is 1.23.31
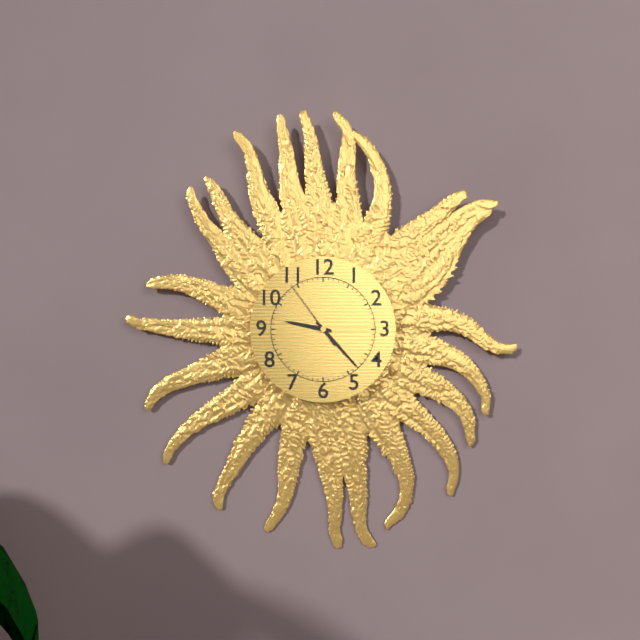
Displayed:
9.23.54
